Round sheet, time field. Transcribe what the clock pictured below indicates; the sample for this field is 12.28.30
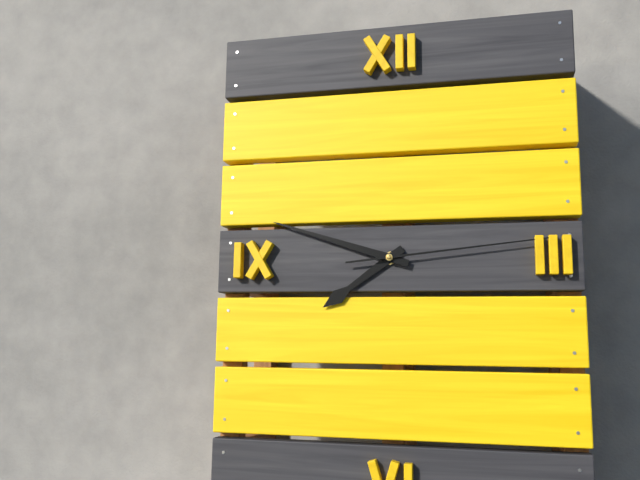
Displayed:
7.48.14
